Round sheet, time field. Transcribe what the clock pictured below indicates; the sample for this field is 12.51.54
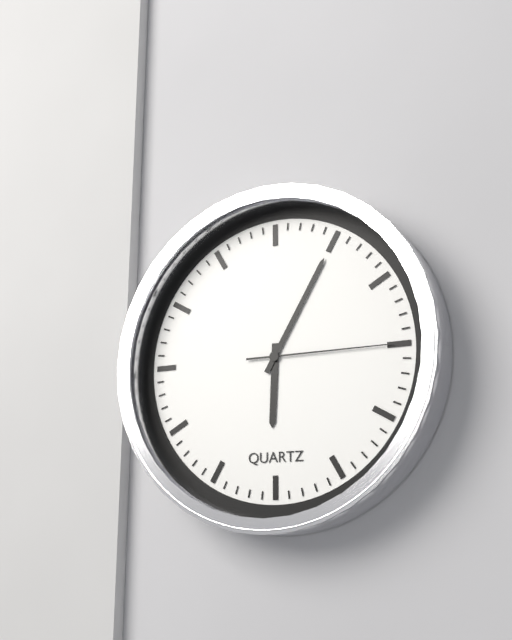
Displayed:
6.05.15
